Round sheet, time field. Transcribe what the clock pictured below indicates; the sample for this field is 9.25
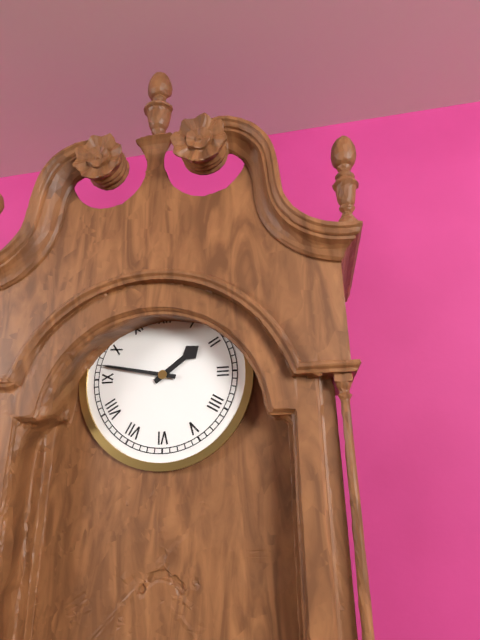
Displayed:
1.47
